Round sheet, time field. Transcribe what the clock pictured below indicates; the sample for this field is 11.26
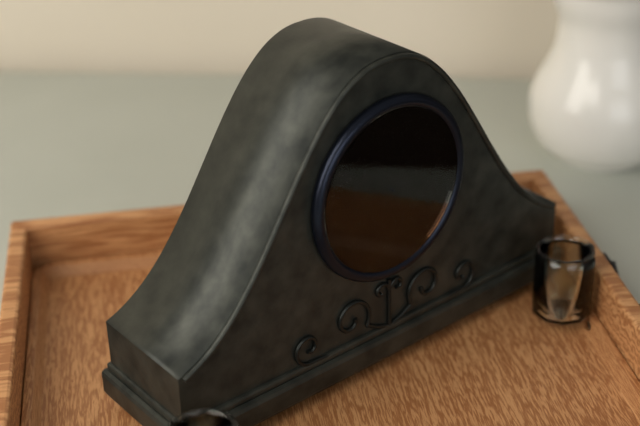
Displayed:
10.01
